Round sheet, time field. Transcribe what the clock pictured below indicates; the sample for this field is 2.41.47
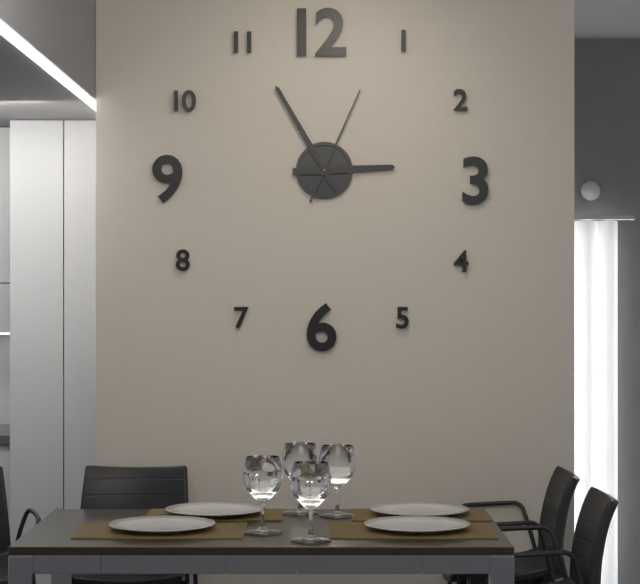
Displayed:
2.55.04
